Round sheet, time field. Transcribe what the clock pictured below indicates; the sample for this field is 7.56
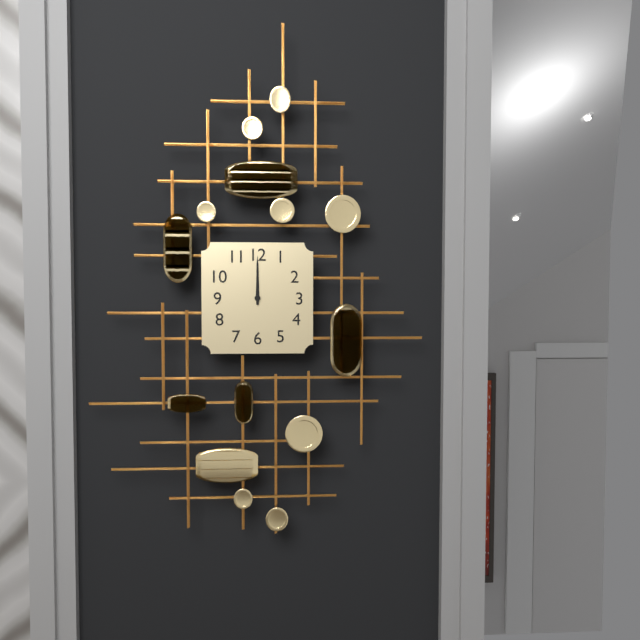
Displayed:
12.00
